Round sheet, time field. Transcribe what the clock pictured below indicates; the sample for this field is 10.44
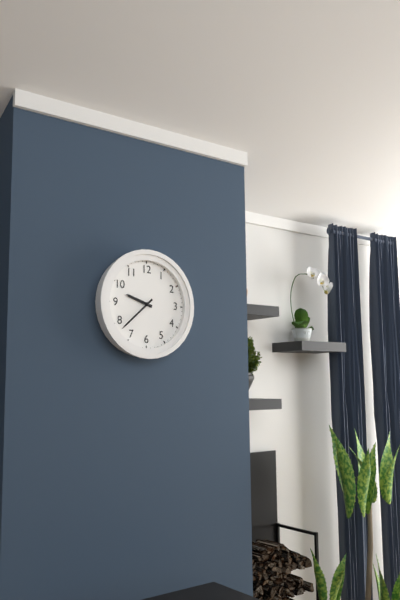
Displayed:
9.38
